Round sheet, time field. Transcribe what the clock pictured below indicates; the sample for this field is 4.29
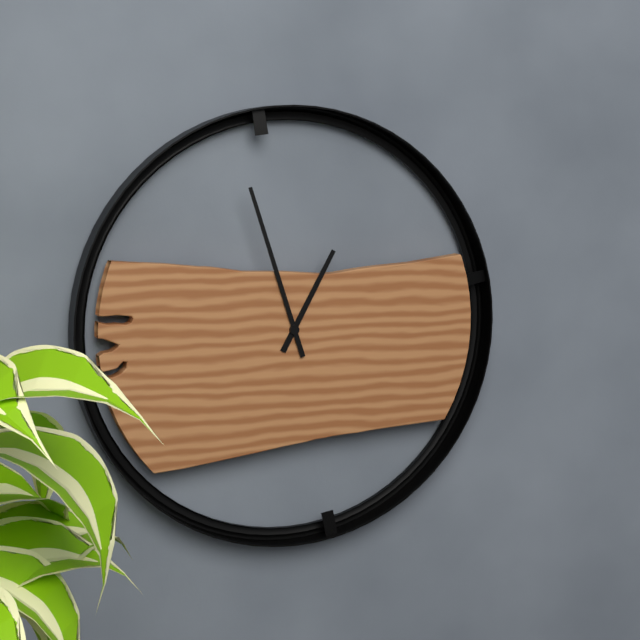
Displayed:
12.57
